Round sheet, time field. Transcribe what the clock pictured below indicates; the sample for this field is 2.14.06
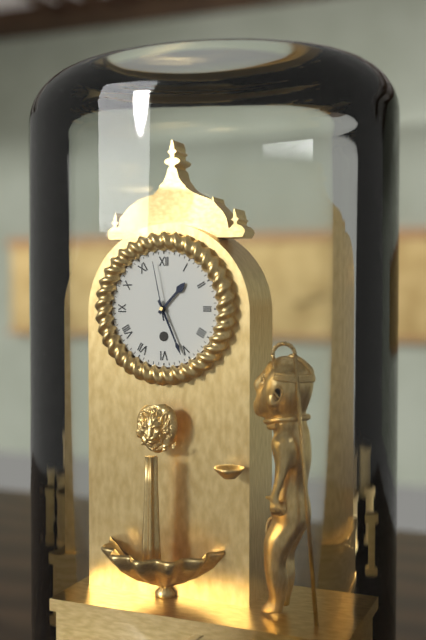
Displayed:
1.26.58
